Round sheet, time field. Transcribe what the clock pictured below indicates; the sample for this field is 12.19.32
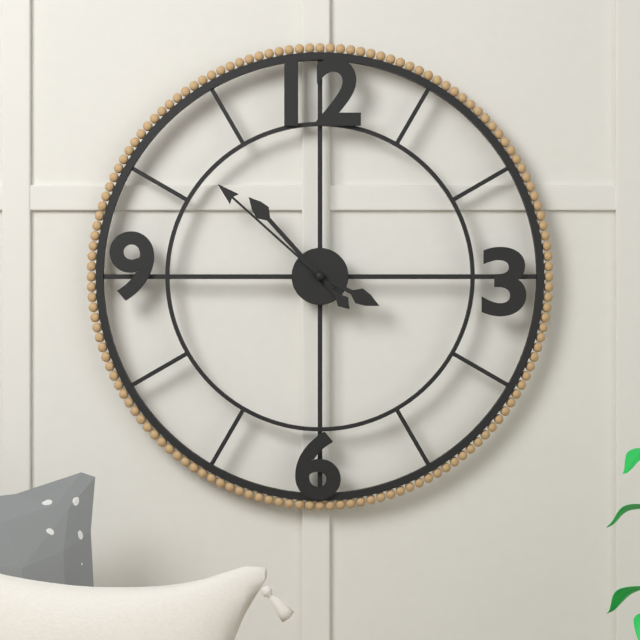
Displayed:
3.53.52
